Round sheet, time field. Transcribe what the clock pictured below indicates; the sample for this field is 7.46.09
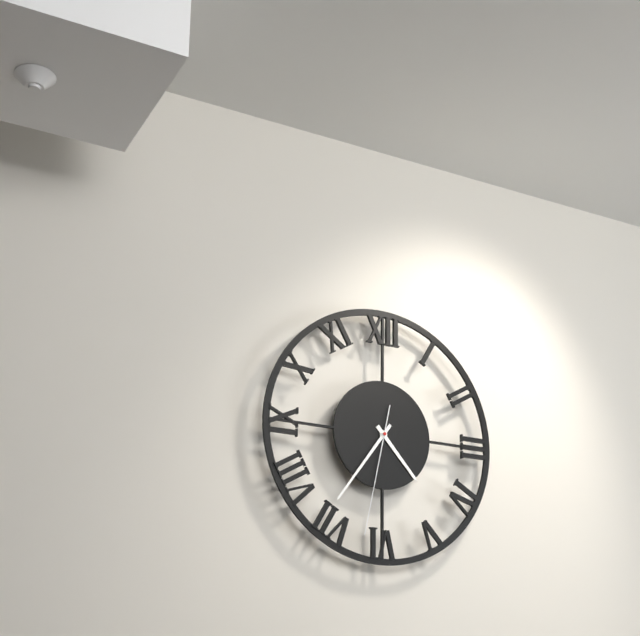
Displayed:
4.36.32
